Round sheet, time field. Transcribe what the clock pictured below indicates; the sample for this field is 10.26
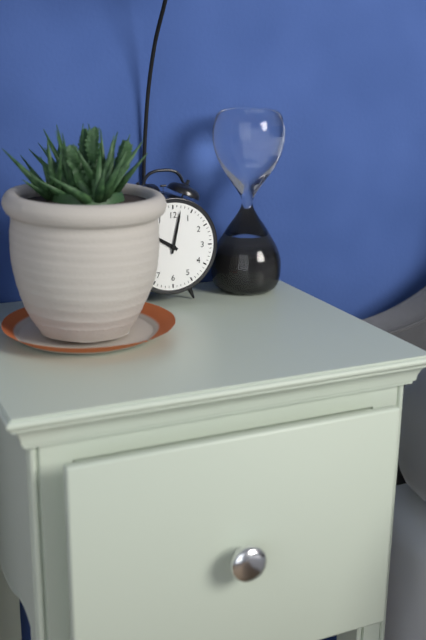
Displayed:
10.02
